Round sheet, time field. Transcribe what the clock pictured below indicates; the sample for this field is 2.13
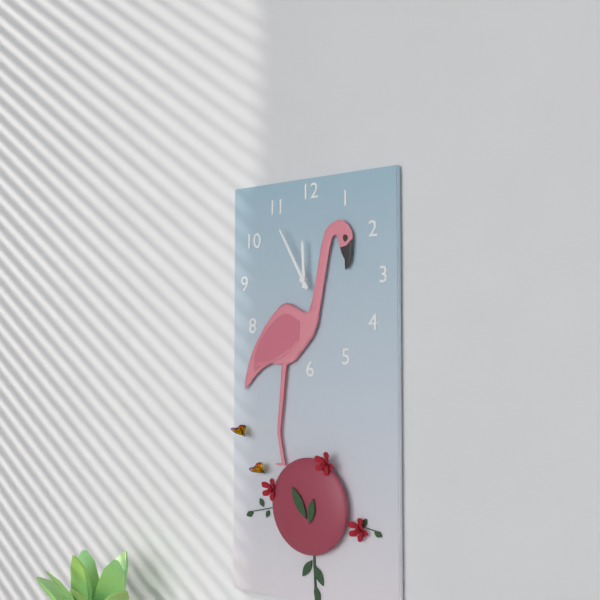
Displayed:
11.55
